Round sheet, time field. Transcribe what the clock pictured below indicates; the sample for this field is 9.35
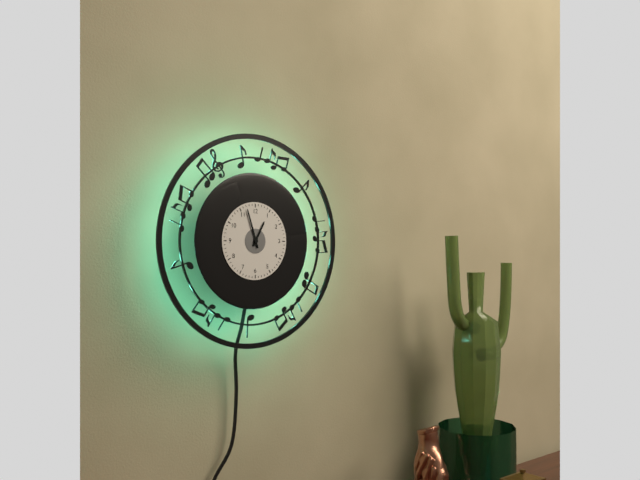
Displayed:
12.57
